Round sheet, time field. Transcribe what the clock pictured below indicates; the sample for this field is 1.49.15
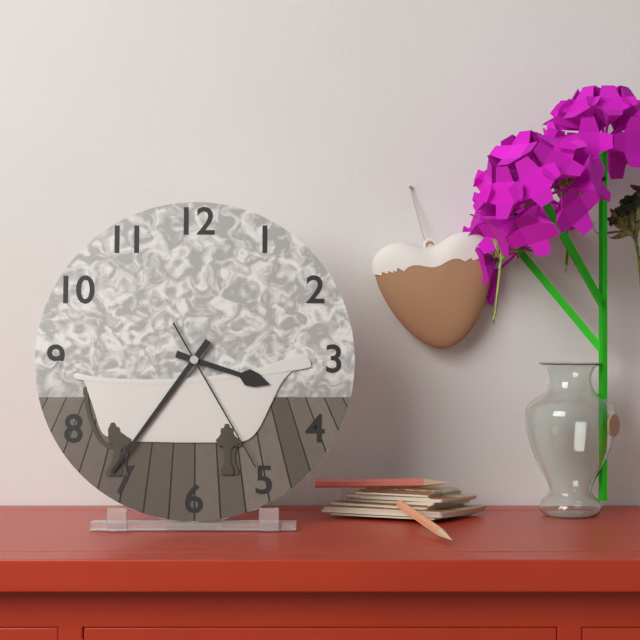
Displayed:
3.36.25
